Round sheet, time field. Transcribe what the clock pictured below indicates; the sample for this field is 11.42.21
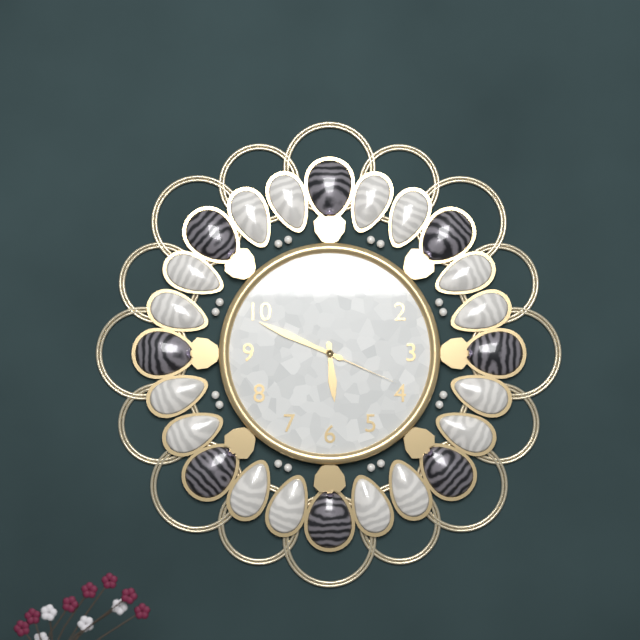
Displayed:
5.49.19
